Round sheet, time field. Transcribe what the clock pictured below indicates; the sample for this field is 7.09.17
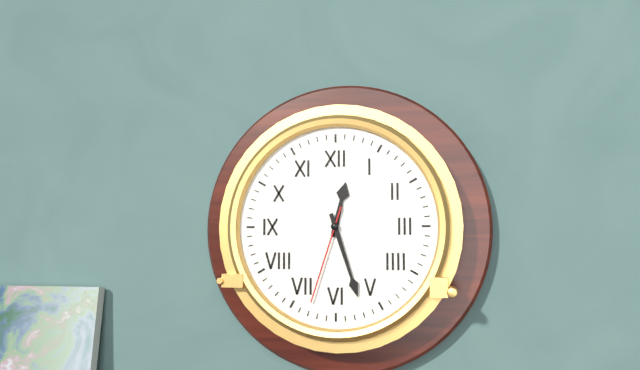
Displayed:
12.27.33
